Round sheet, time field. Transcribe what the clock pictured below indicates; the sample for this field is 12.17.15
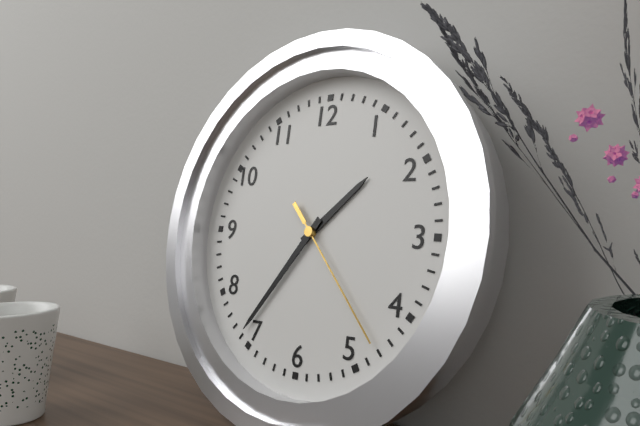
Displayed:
1.36.23
